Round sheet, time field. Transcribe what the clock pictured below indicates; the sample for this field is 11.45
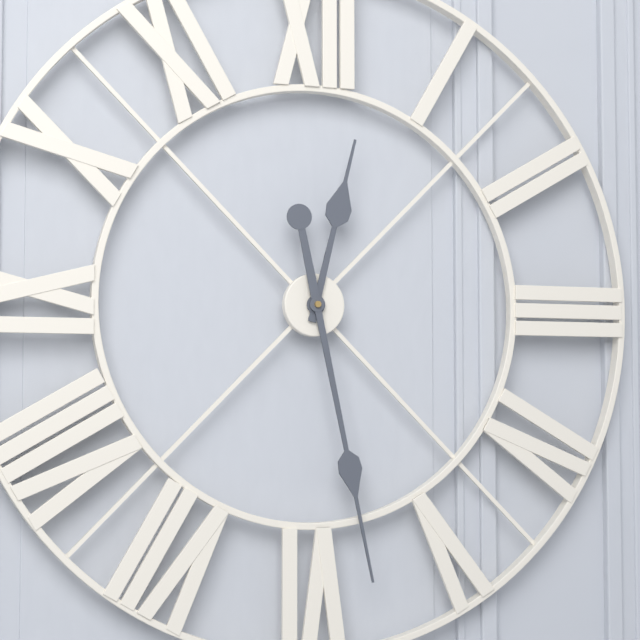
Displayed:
12.28
